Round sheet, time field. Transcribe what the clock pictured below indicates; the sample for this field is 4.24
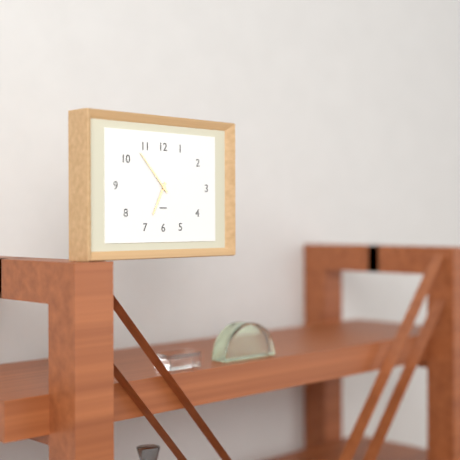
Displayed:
6.53
